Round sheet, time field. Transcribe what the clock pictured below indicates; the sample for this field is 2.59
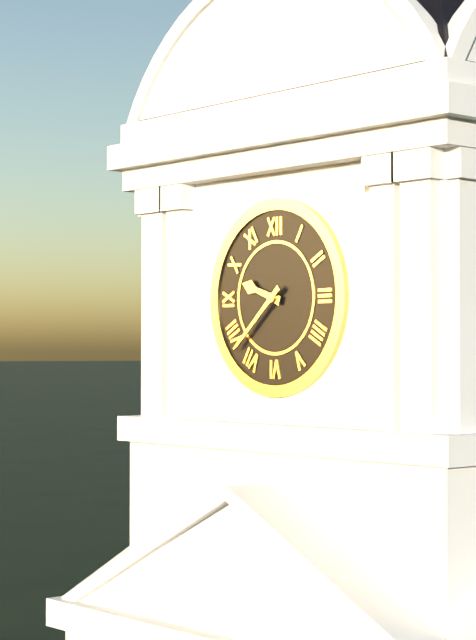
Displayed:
9.38
